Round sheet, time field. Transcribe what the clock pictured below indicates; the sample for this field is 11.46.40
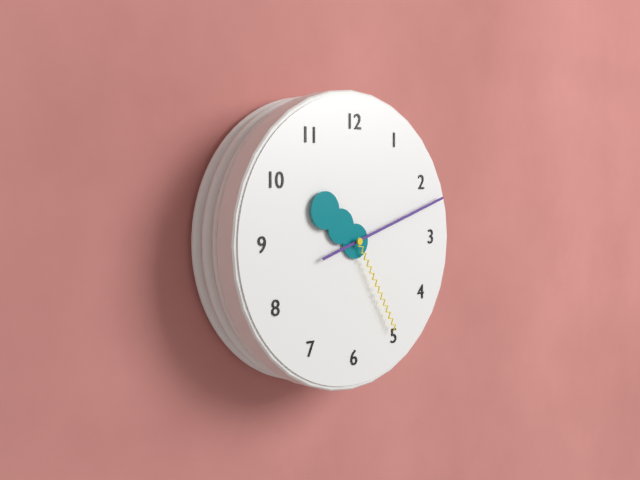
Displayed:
10.12.25
